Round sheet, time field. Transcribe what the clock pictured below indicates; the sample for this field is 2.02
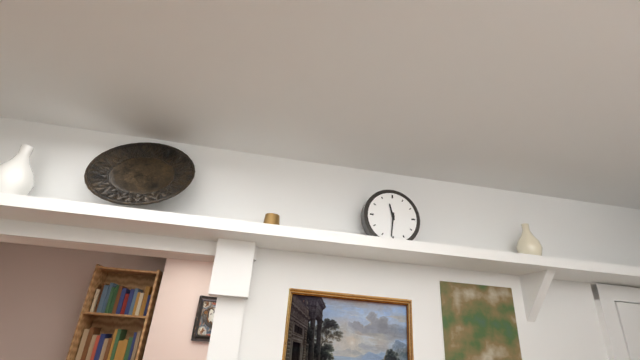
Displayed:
11.31
